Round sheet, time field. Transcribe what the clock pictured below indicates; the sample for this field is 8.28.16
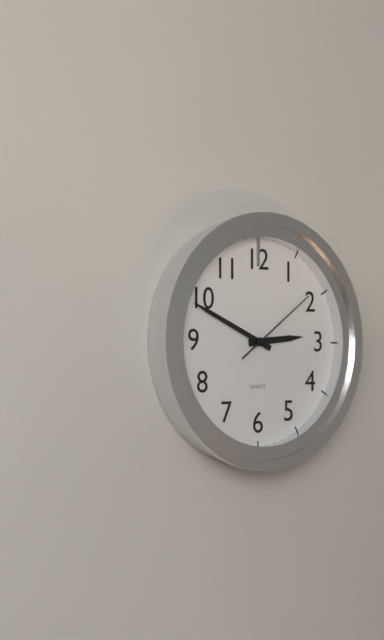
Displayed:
2.49.09
